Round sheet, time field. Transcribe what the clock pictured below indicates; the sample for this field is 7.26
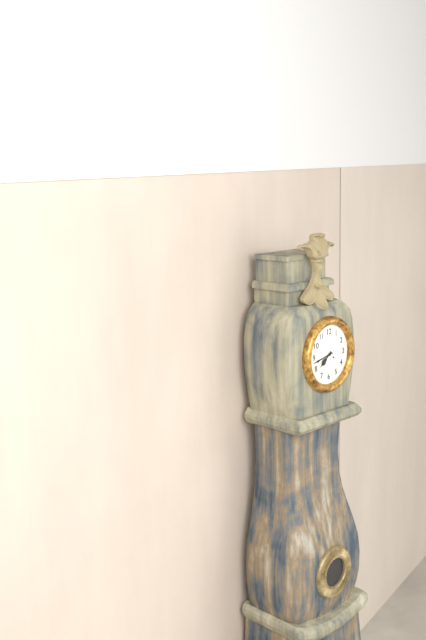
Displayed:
7.43
